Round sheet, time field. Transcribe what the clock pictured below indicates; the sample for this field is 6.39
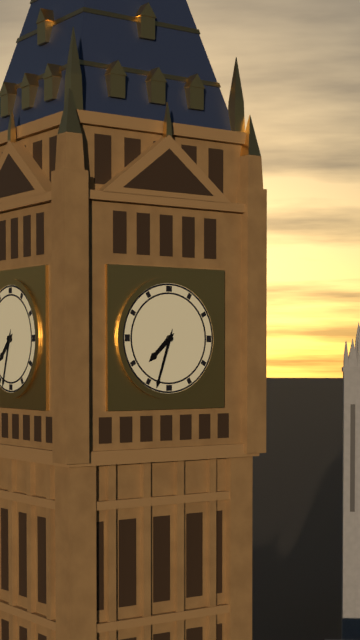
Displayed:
7.33
